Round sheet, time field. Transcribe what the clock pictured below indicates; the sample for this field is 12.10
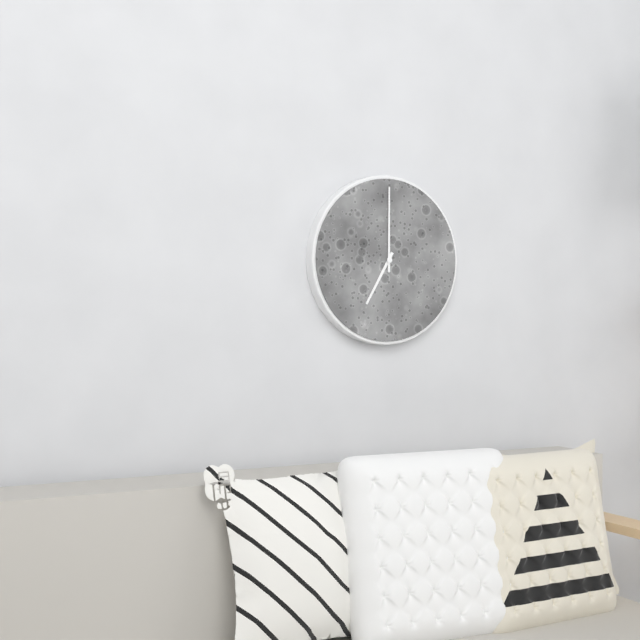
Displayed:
7.00
